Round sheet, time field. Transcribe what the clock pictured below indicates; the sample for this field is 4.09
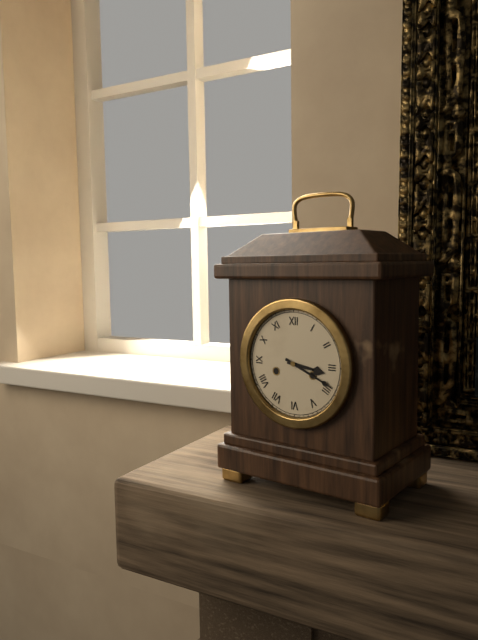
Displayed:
3.19
